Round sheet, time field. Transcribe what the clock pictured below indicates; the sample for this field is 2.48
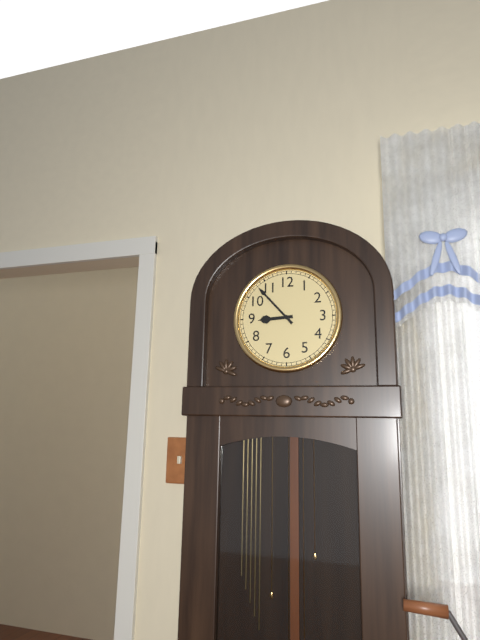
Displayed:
8.53
